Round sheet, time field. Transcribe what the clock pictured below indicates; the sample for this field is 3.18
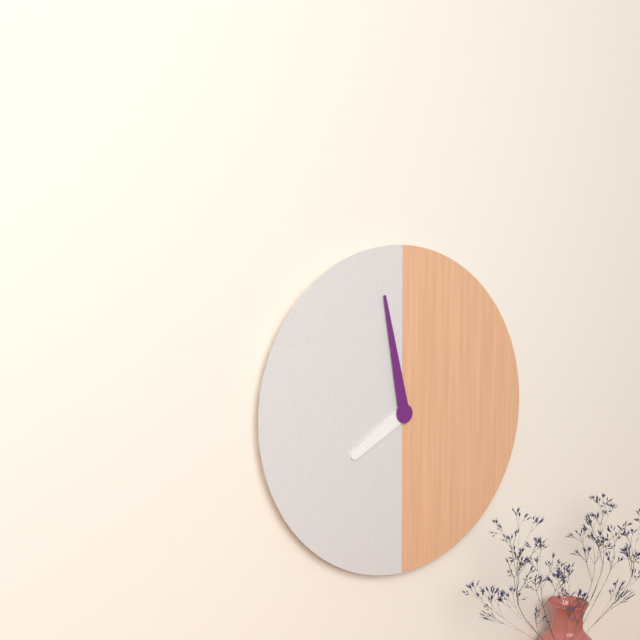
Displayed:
7.58
